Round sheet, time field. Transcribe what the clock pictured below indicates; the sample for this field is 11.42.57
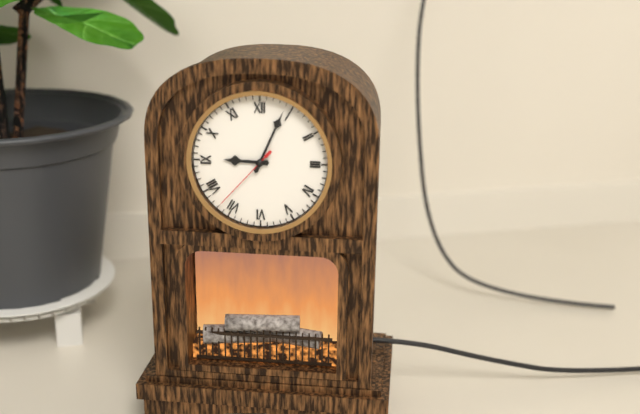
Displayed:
9.04.37
